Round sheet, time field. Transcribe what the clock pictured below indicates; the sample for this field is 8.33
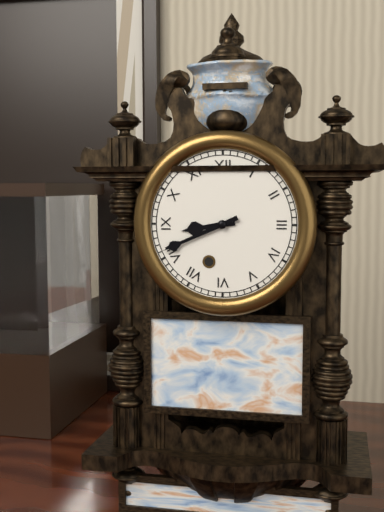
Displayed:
8.41
